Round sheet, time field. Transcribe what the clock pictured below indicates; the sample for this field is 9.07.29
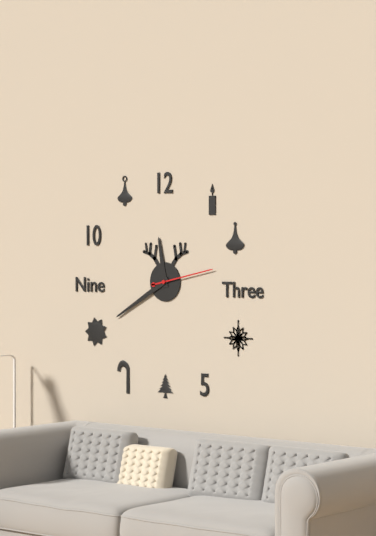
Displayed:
11.40.13
